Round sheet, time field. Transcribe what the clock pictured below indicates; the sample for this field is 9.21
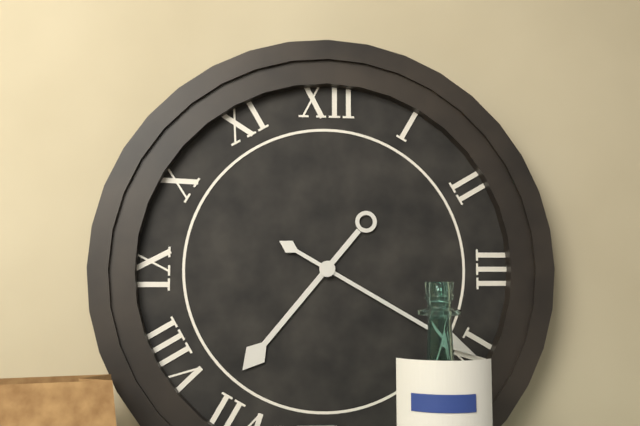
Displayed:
7.20
